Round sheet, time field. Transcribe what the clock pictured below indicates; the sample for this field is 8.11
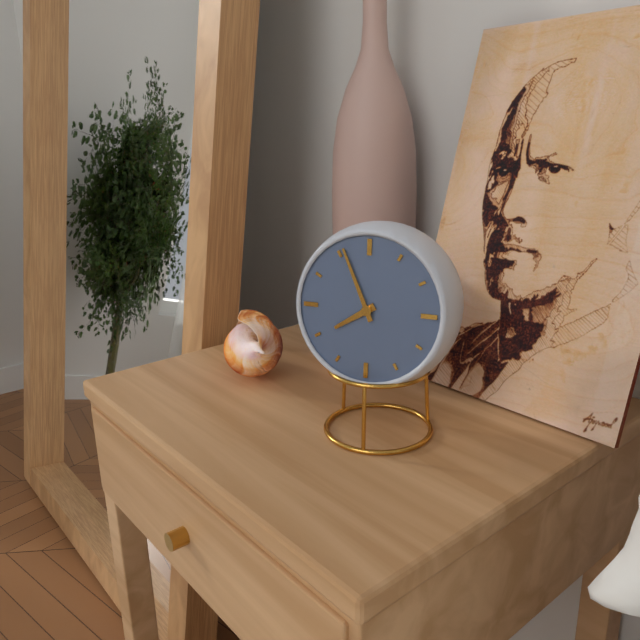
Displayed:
7.56
